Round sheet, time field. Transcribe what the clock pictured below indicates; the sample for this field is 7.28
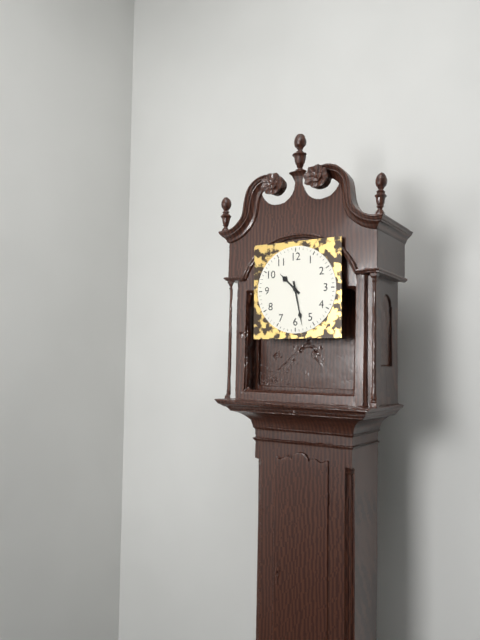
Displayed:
10.28
